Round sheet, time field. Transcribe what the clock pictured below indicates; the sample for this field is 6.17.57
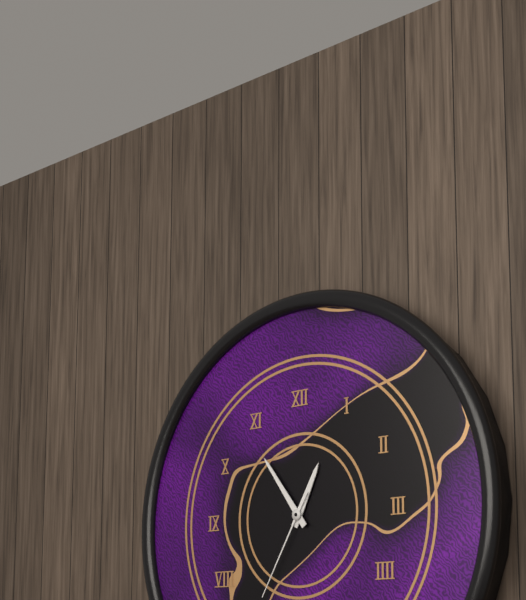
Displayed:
12.54.35
